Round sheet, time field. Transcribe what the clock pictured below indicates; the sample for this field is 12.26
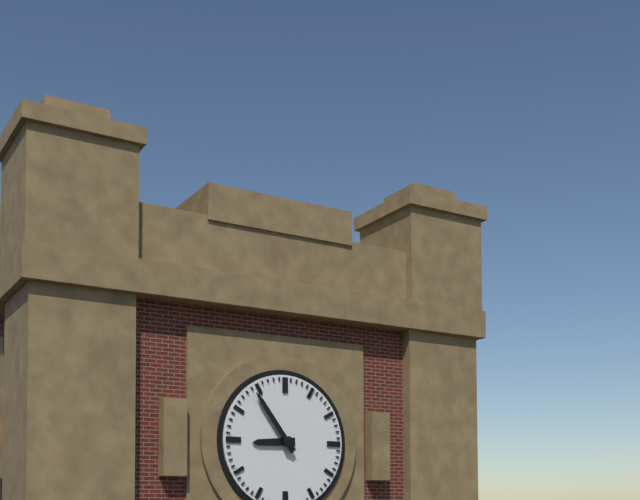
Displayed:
8.54
